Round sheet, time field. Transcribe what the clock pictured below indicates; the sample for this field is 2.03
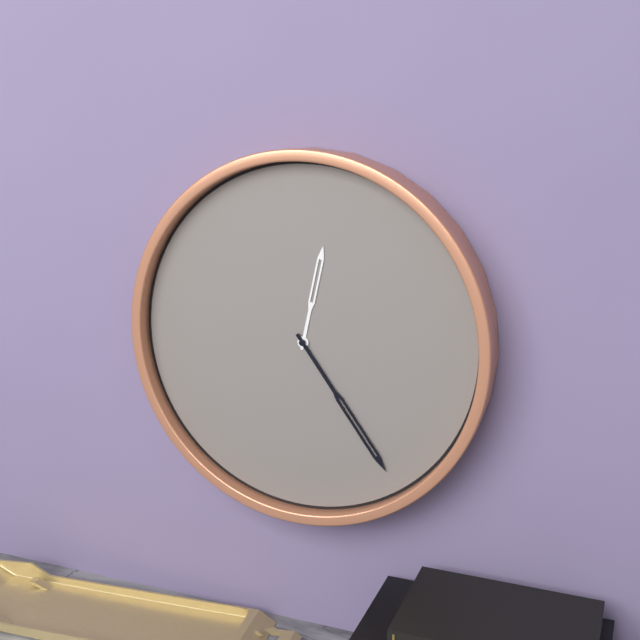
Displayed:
12.24
